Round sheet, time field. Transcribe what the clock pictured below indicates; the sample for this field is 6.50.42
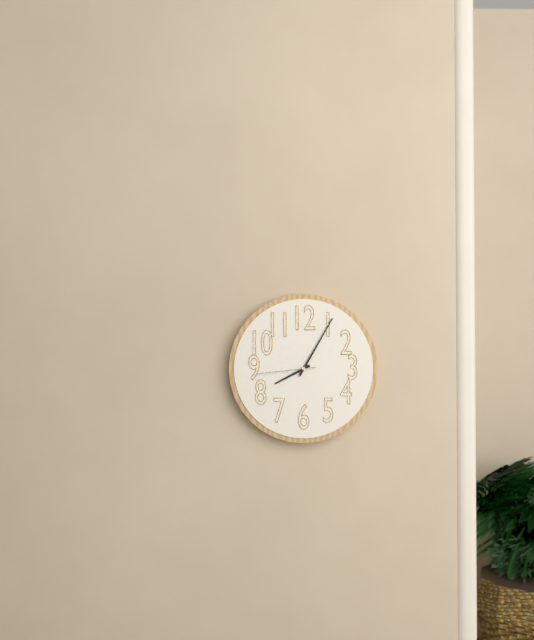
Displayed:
8.05.44
